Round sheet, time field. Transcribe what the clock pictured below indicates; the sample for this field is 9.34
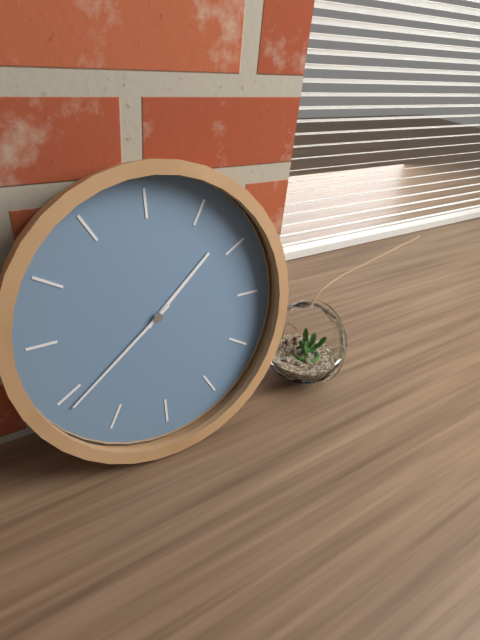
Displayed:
1.39
